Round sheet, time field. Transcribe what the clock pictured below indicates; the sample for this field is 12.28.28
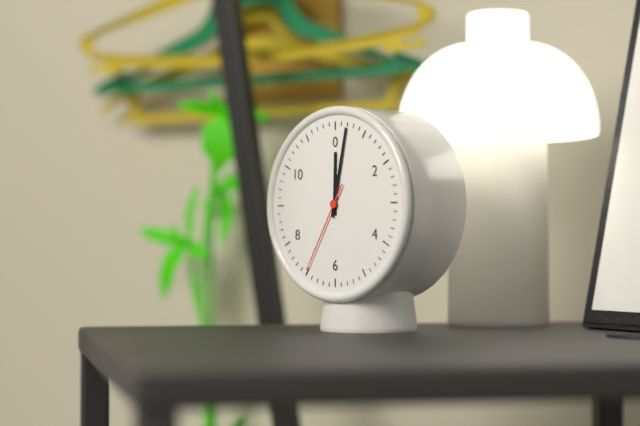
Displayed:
12.02.35
